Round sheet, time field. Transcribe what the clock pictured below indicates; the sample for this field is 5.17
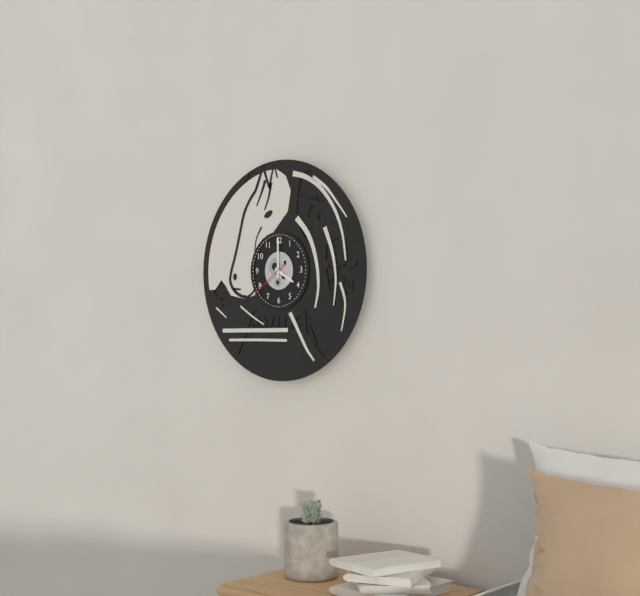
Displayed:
4.00
